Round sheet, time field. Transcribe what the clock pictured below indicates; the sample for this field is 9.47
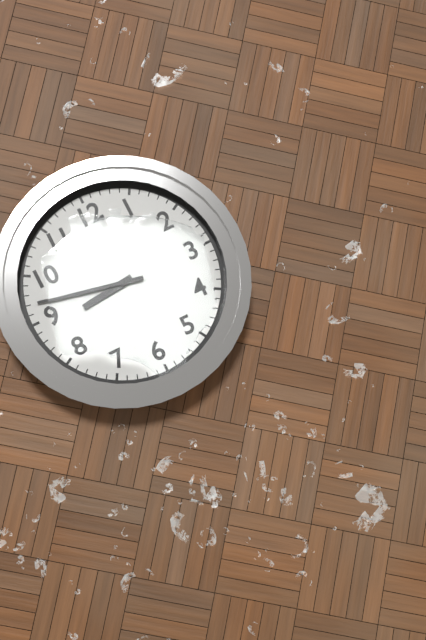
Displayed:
8.47
